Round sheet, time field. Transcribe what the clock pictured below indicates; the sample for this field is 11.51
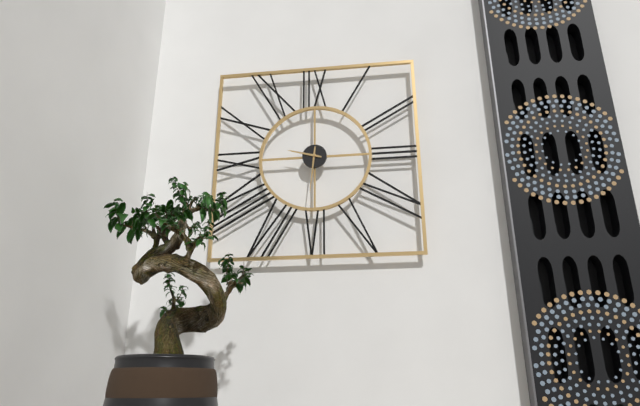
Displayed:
9.31
